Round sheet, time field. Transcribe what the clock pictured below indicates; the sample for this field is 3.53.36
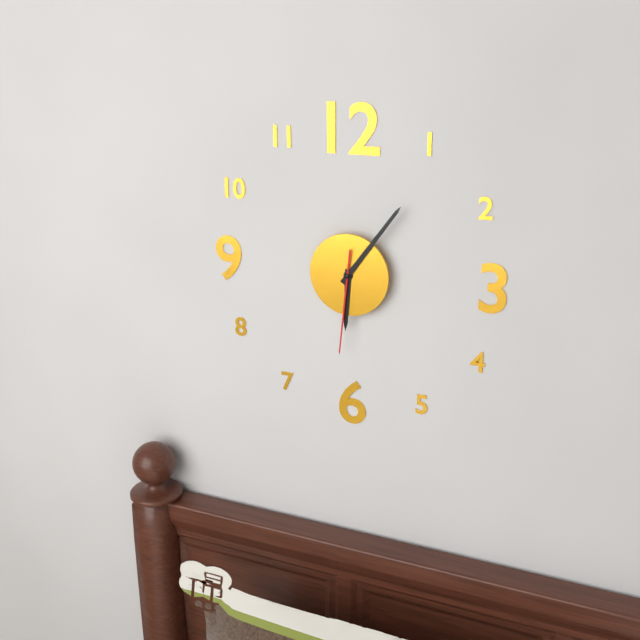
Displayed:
6.06.31
